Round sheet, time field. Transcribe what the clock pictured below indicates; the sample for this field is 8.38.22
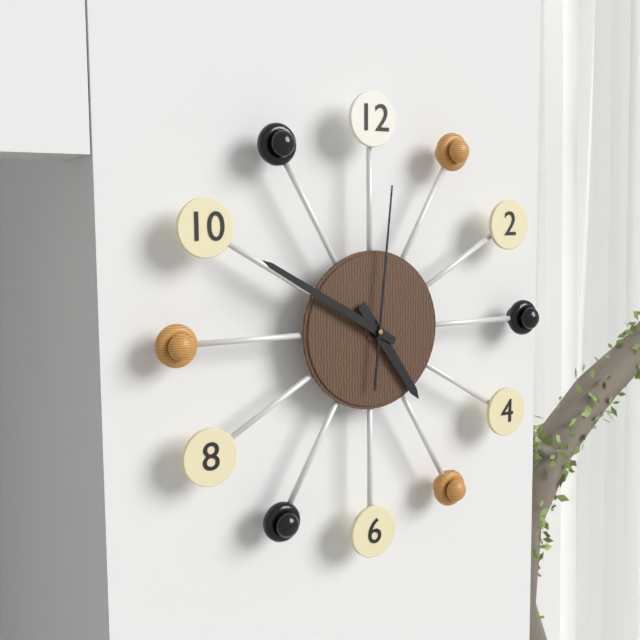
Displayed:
4.50.01
